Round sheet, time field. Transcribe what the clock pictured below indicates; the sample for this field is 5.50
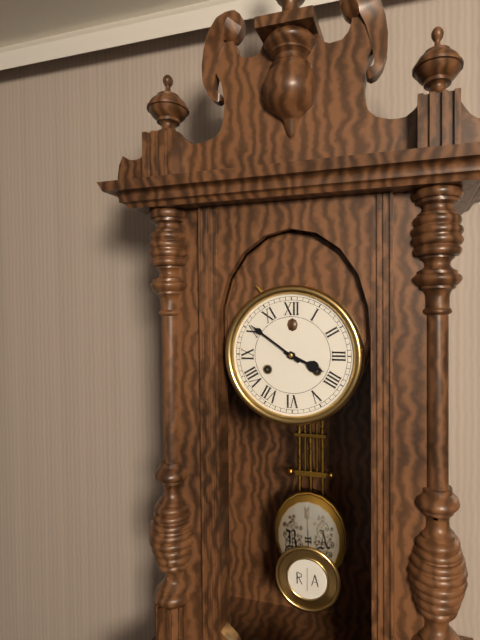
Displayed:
3.51
